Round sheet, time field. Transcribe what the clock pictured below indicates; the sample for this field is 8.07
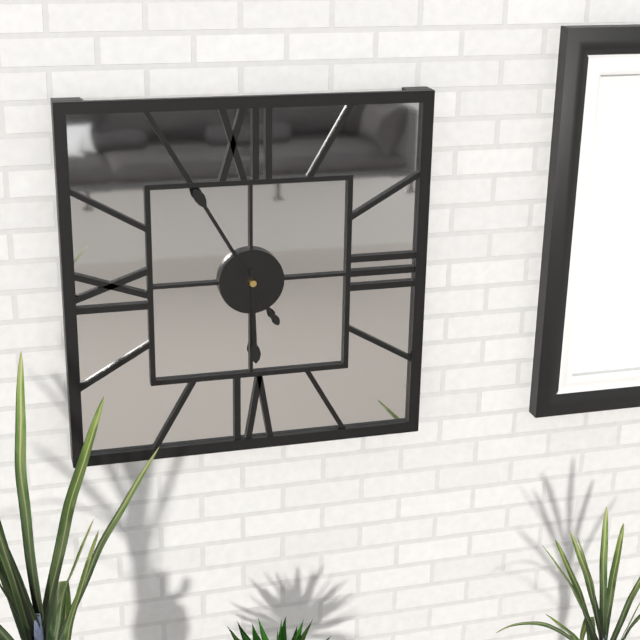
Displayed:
5.55
